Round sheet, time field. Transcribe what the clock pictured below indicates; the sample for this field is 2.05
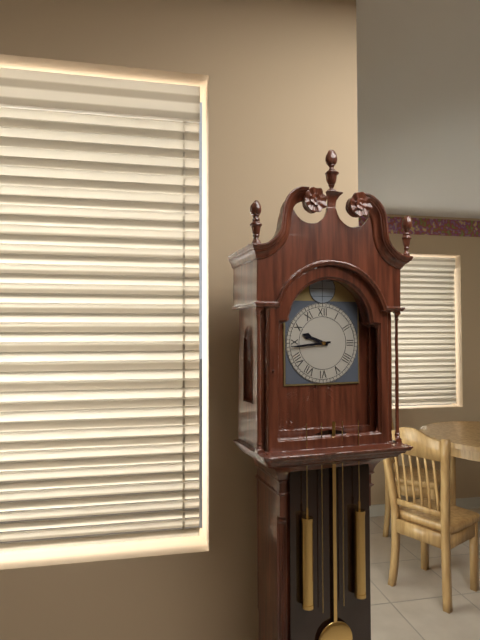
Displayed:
9.44
